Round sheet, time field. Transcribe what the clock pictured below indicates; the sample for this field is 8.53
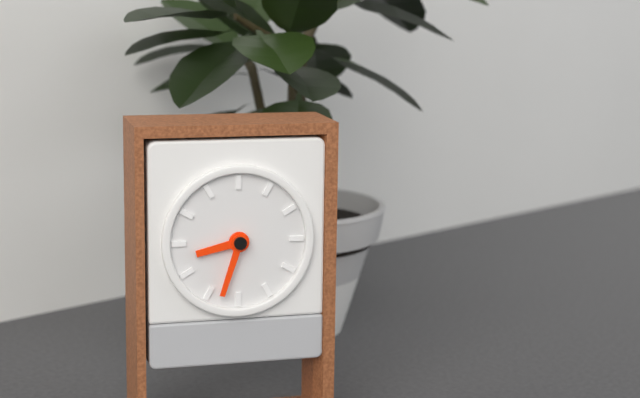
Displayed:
8.33
